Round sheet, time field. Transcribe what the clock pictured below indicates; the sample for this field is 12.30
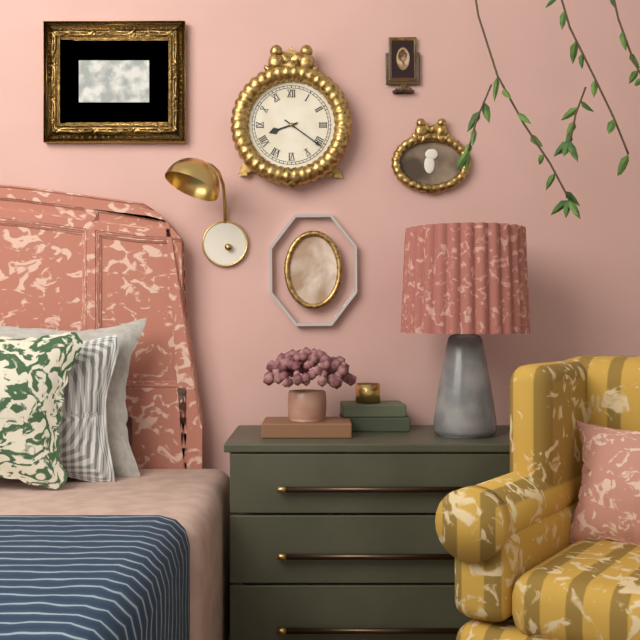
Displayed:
8.21
